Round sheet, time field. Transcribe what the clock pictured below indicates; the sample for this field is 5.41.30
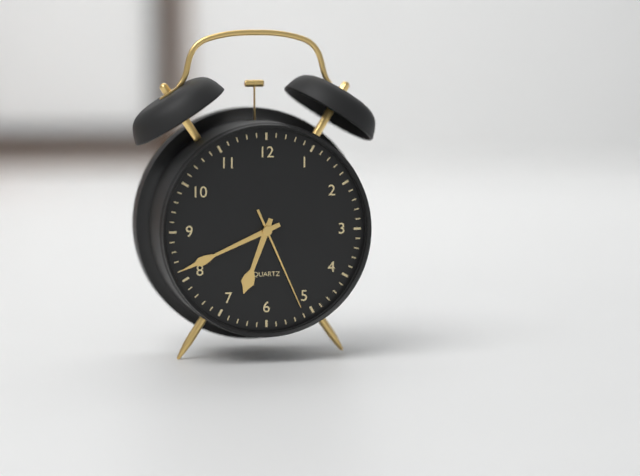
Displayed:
6.41.26
